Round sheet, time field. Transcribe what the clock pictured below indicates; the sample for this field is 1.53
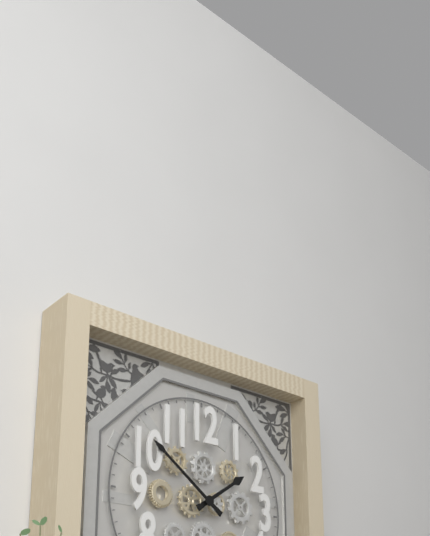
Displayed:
1.51
